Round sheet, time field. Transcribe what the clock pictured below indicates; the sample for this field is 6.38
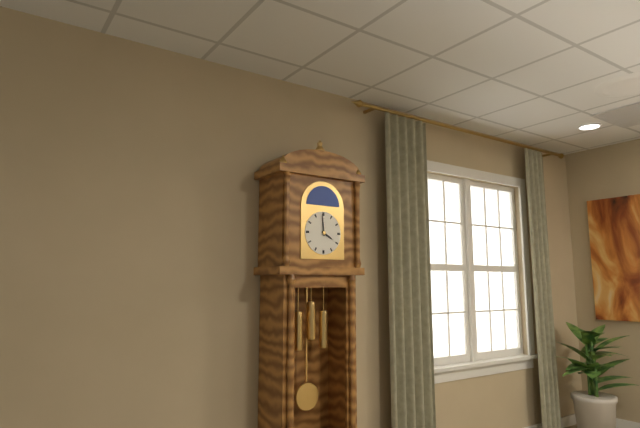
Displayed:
3.59
